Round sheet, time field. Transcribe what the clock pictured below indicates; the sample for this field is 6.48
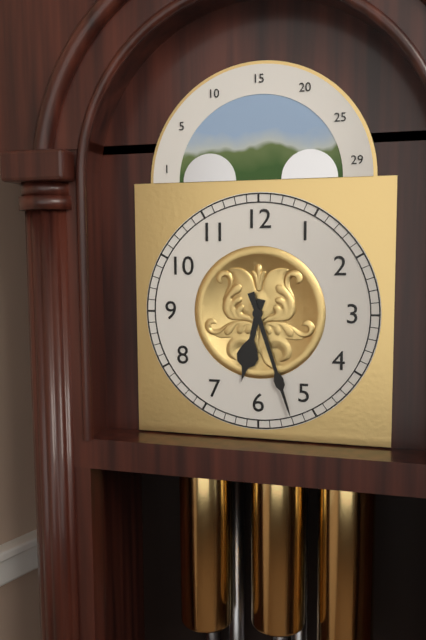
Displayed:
6.27
